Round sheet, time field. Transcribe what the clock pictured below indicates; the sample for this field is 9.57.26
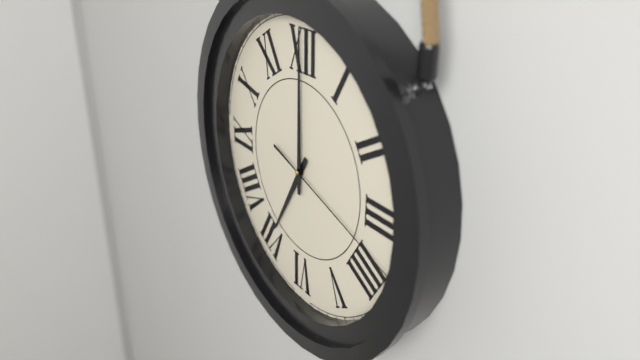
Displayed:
7.00.18
